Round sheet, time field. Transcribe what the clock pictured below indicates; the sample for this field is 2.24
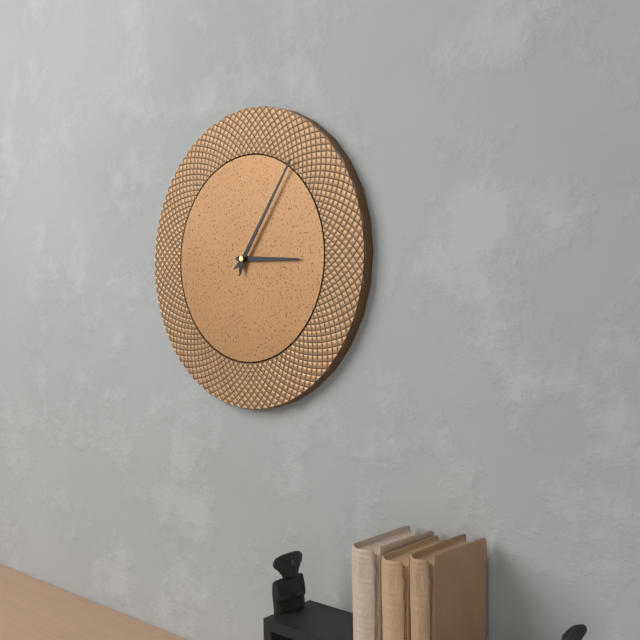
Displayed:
3.06
